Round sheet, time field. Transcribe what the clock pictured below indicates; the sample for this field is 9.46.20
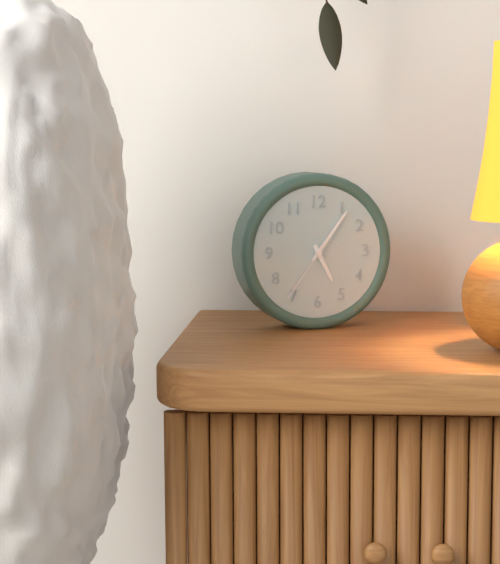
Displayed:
5.06.36
